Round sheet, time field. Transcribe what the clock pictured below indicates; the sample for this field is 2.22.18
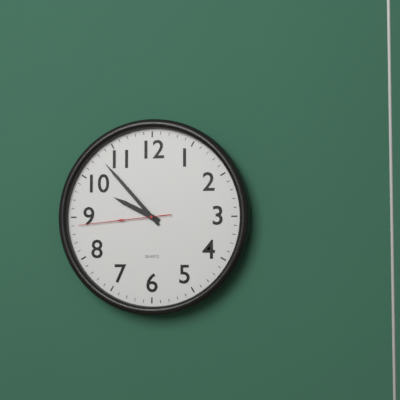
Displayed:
9.53.44
